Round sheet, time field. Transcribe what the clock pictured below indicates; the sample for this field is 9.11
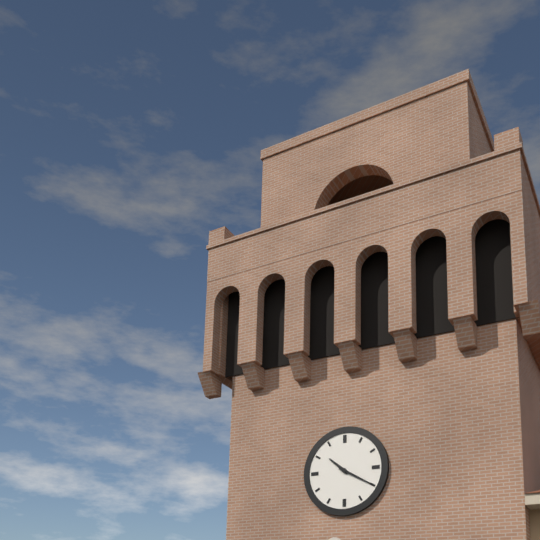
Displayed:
10.20
